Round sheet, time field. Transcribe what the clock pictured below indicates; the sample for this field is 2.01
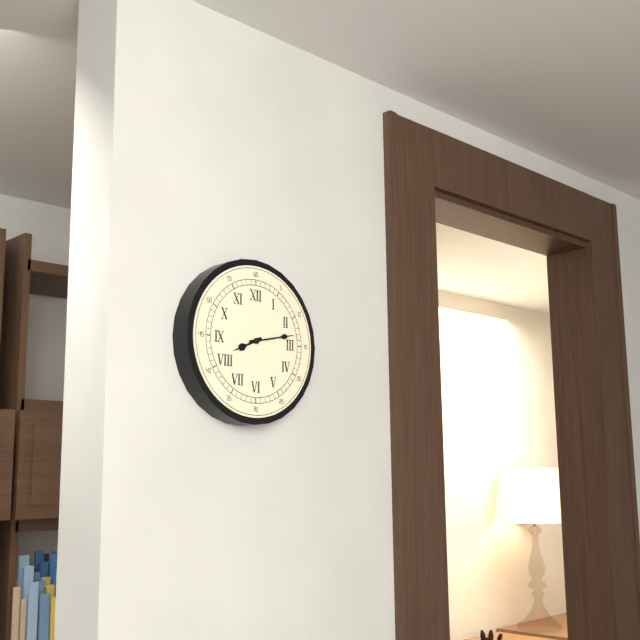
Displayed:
8.13
